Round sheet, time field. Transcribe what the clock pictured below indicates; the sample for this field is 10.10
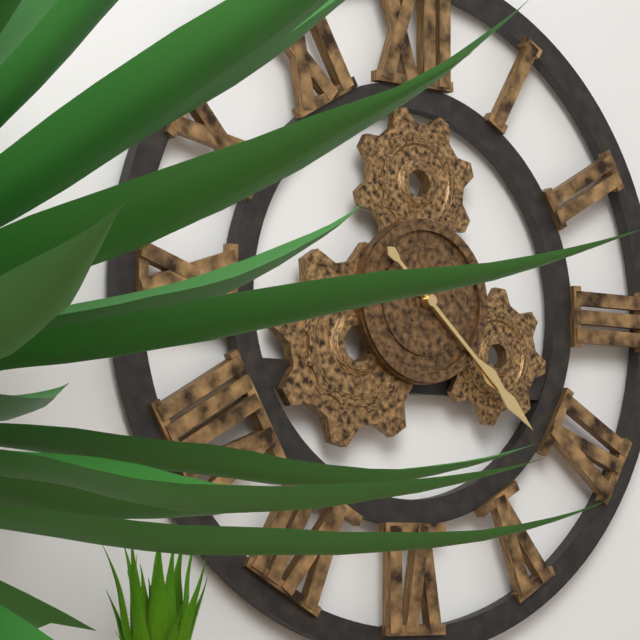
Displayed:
4.22
